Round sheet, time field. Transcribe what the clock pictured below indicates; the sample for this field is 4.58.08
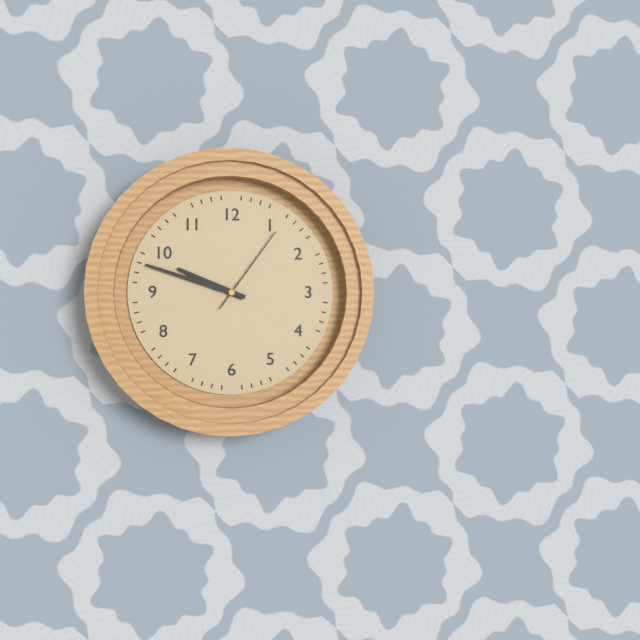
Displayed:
9.48.06
